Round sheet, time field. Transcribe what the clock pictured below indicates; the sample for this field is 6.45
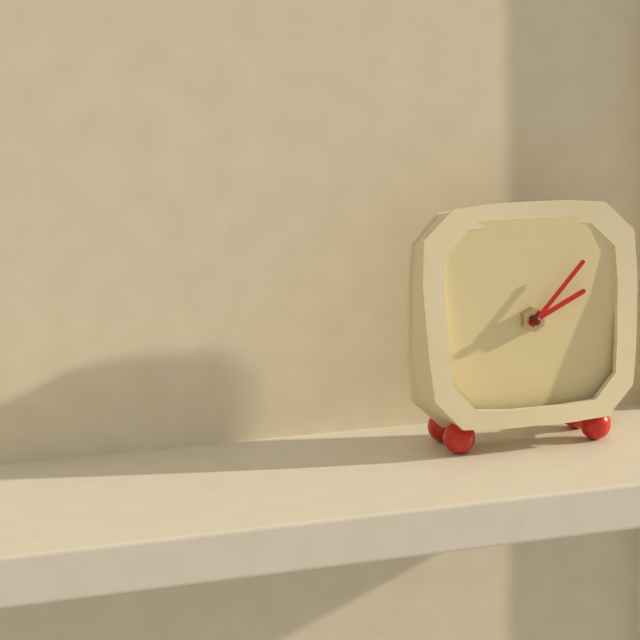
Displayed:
2.07
